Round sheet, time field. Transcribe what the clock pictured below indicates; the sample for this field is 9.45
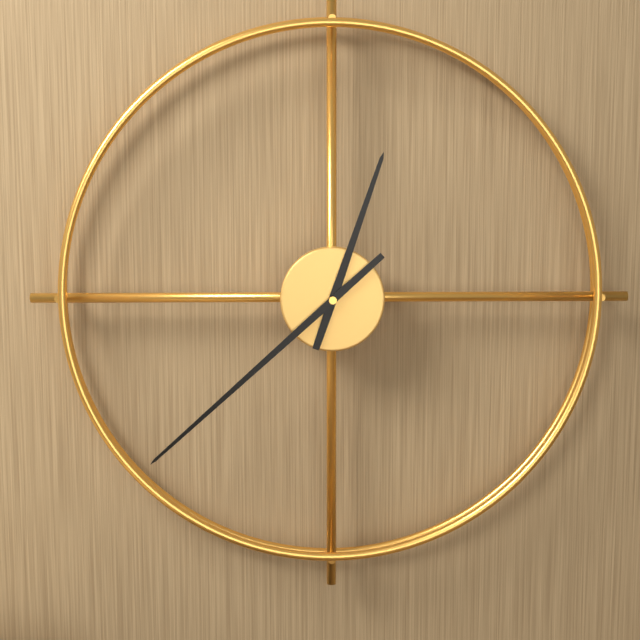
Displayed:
12.38
